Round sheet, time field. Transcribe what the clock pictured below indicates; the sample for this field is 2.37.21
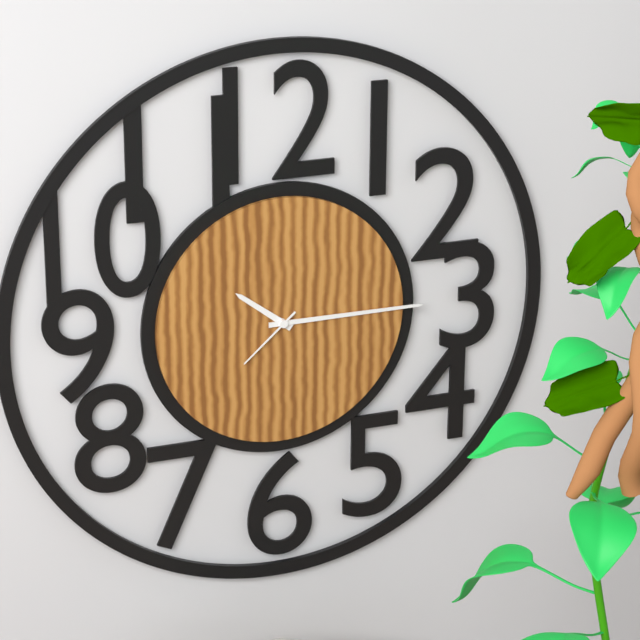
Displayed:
10.15.38
